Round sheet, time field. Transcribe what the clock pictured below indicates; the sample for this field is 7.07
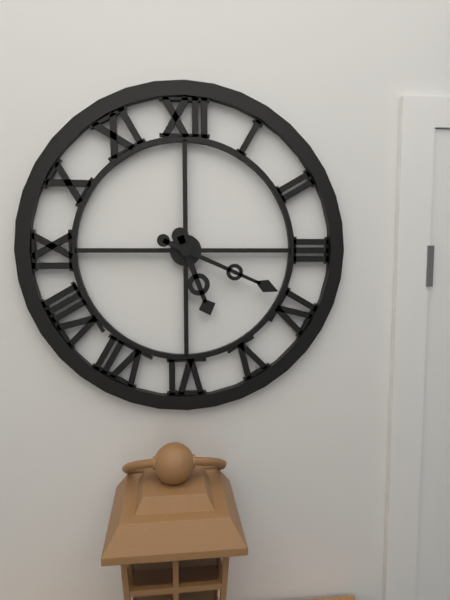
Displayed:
5.19
